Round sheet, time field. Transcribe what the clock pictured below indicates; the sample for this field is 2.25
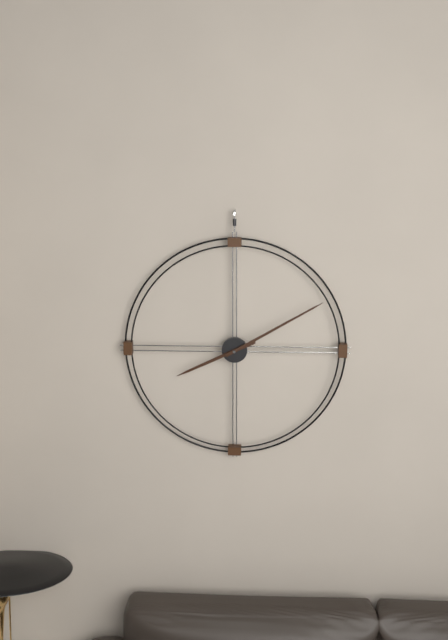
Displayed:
8.10
